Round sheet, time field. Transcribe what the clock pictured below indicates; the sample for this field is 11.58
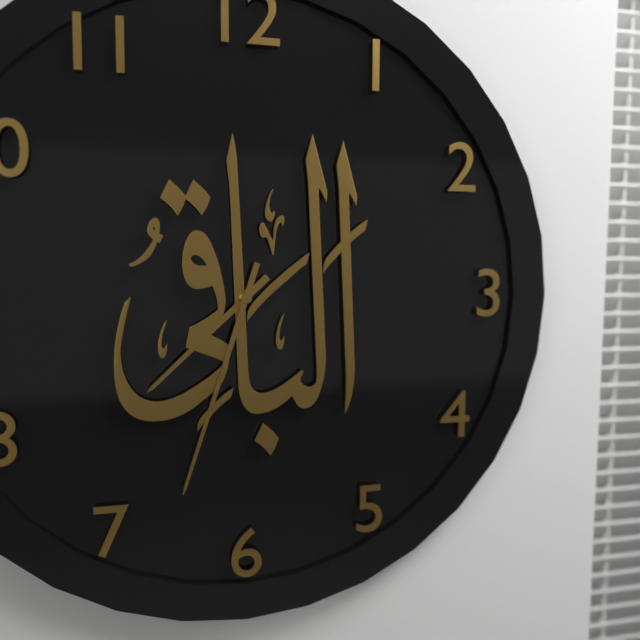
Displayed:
7.33
